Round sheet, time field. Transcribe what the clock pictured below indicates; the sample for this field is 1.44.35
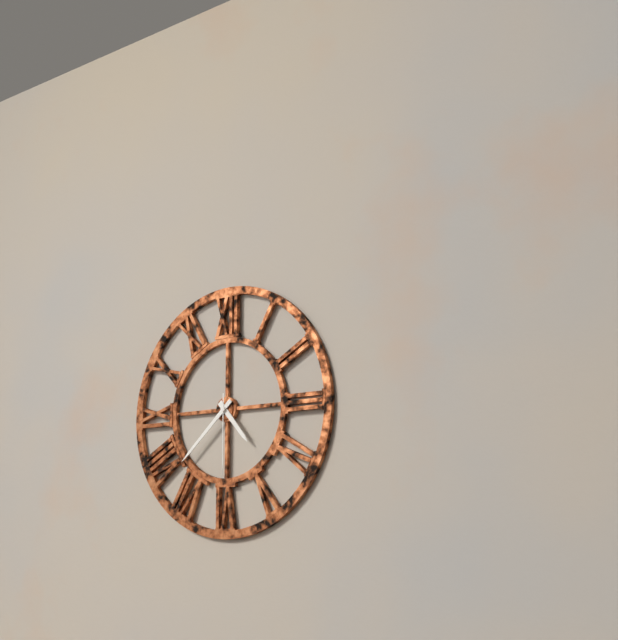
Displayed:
4.38.30
